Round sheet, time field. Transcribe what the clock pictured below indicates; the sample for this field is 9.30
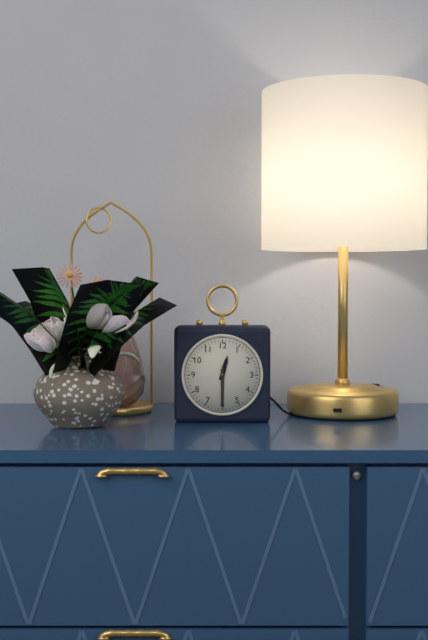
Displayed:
12.30
